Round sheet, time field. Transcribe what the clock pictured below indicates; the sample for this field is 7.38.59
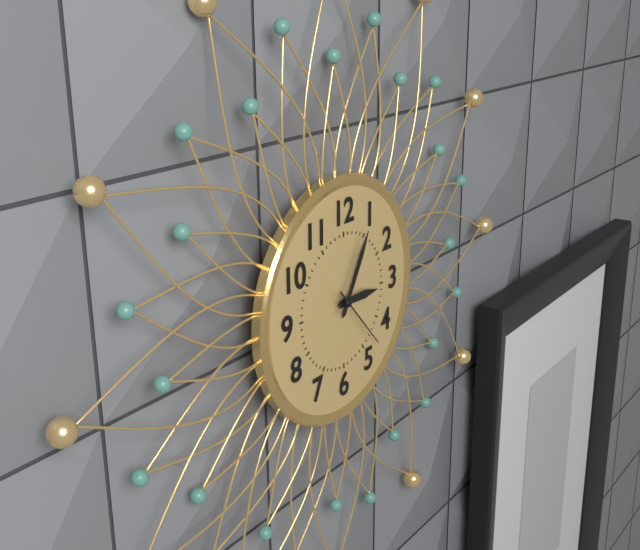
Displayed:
3.05.23
